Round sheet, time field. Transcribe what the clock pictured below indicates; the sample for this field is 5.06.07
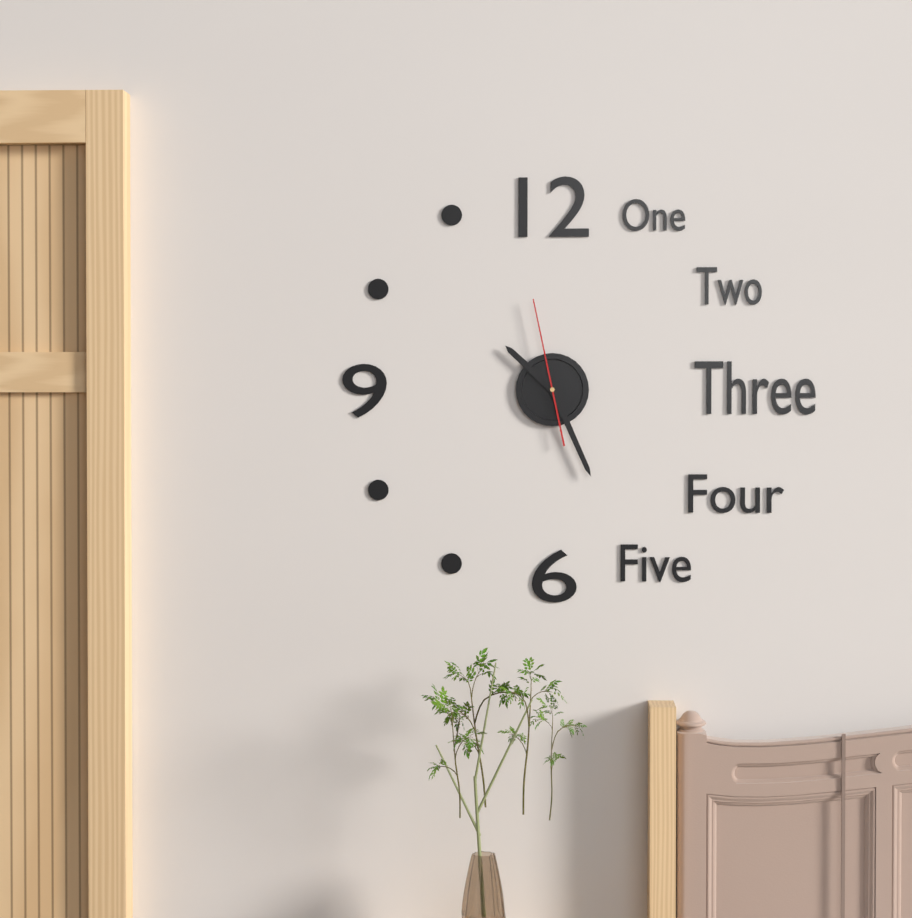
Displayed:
10.26.58
